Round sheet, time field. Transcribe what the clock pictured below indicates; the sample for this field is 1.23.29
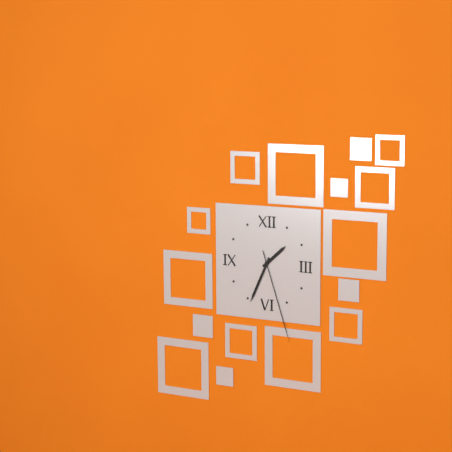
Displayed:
1.34.27
